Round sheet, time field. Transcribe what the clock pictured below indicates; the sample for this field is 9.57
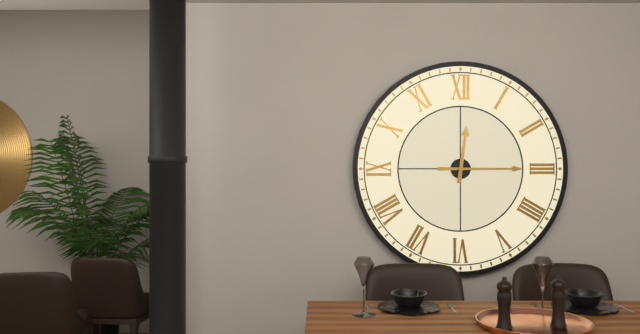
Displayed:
12.15
